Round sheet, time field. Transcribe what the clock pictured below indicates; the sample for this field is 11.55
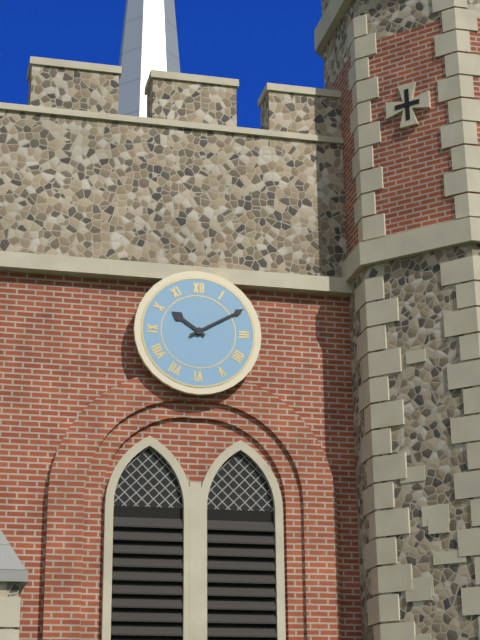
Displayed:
10.10
